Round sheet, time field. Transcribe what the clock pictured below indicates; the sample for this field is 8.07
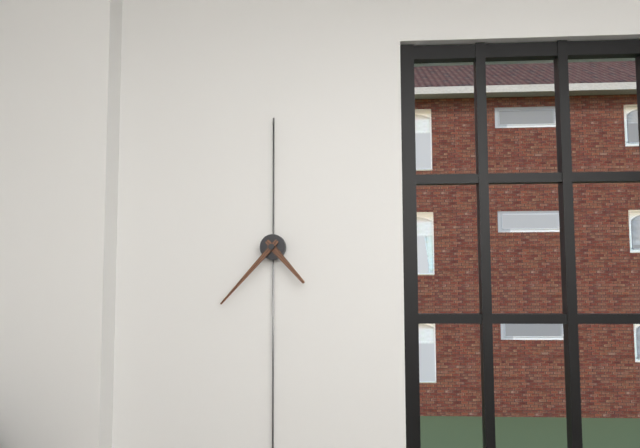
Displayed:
4.37
